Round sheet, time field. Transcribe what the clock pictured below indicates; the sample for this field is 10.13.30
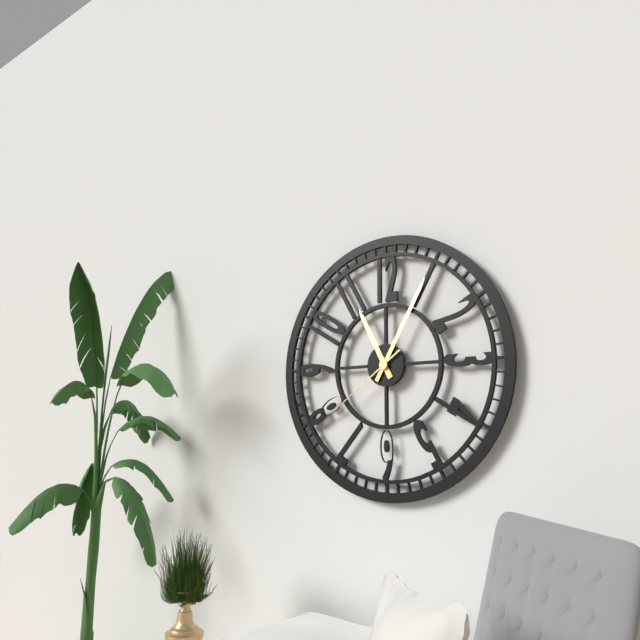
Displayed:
11.05.39
